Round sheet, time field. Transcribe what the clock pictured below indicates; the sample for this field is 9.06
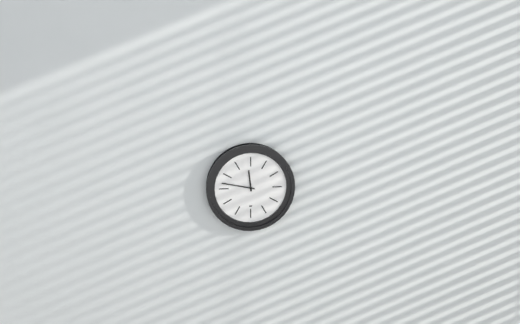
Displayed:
11.47
